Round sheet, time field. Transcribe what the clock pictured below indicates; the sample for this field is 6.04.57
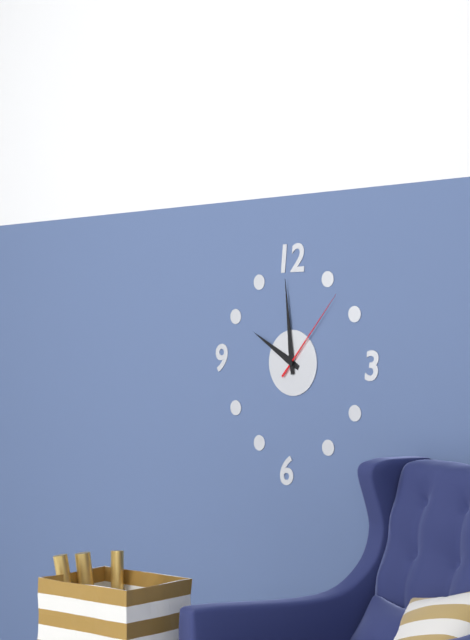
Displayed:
9.59.07
